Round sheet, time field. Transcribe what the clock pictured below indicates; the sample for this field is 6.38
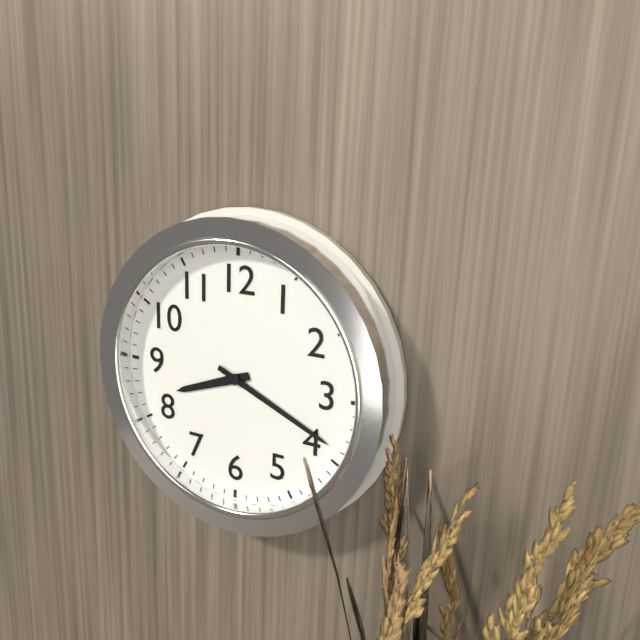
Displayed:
8.19
